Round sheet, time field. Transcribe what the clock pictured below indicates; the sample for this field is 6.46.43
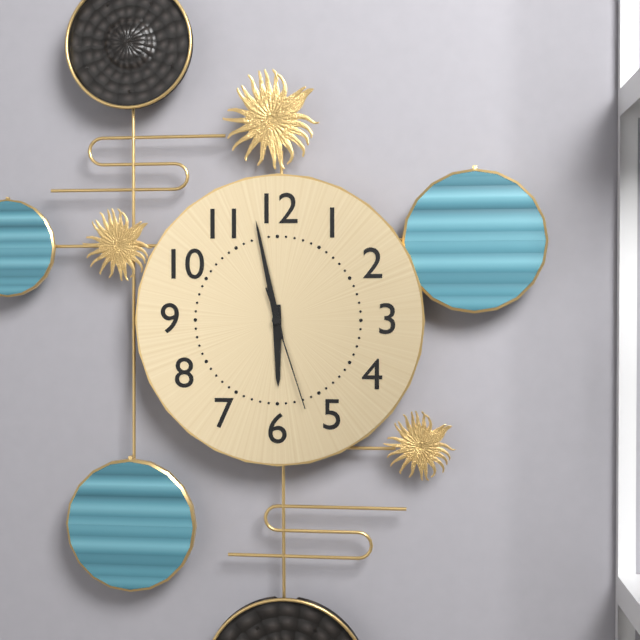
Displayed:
5.58.27
